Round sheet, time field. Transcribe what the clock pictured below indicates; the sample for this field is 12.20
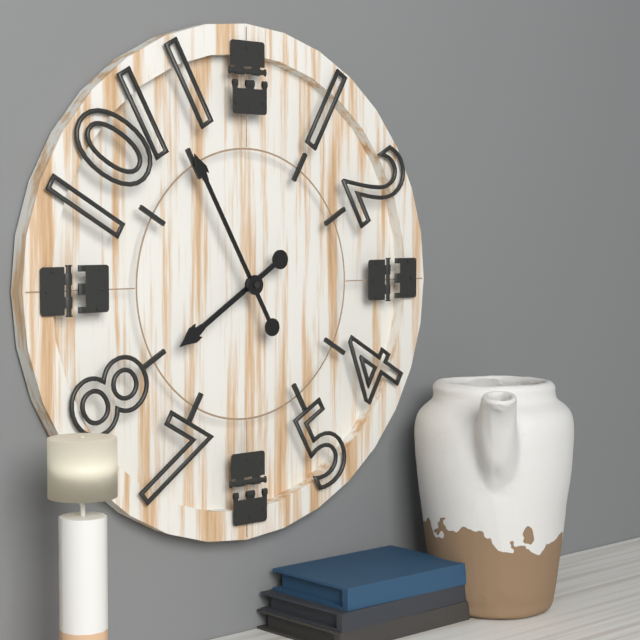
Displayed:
7.55
